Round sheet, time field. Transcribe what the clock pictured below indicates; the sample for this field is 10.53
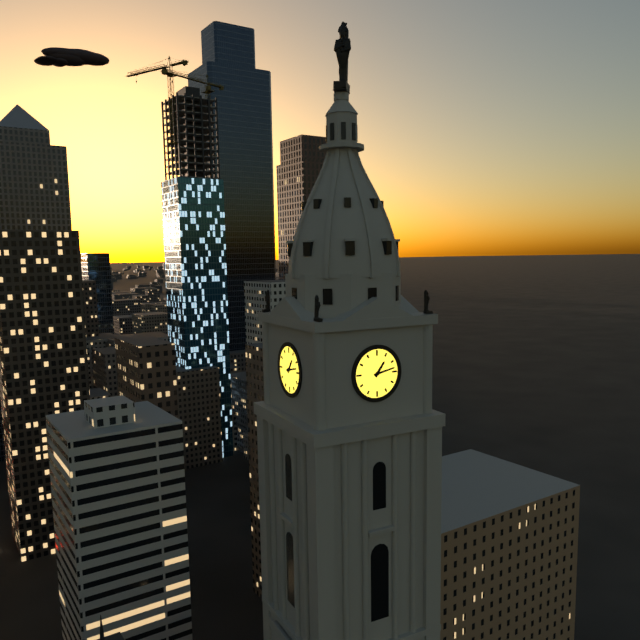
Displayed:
1.13
